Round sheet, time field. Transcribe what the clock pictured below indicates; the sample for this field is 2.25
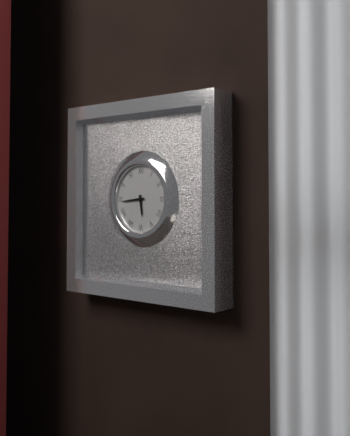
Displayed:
5.44
